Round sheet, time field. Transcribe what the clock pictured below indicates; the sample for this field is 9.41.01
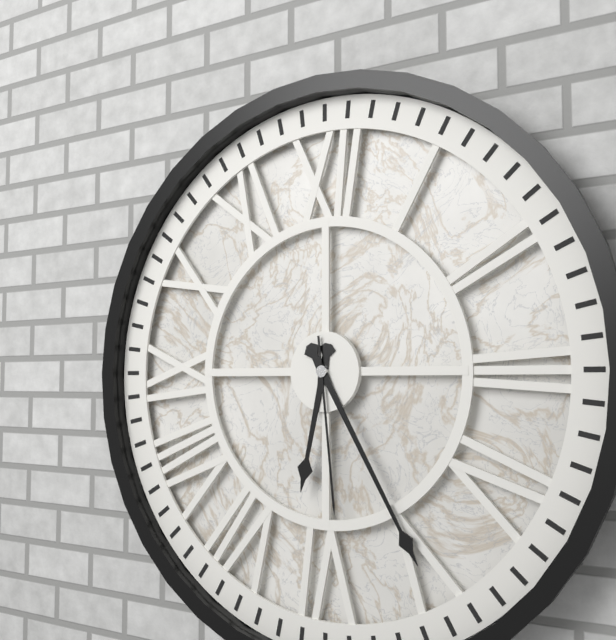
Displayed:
6.25.29
